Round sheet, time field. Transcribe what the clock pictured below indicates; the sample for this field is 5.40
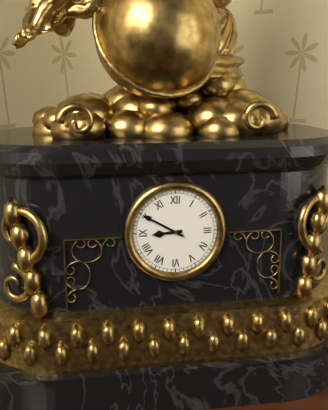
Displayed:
8.50
